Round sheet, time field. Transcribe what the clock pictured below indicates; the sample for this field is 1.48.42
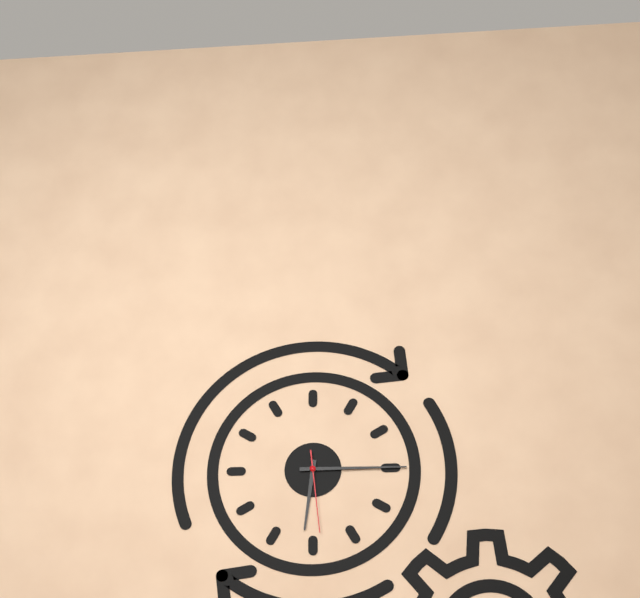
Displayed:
6.15.29
